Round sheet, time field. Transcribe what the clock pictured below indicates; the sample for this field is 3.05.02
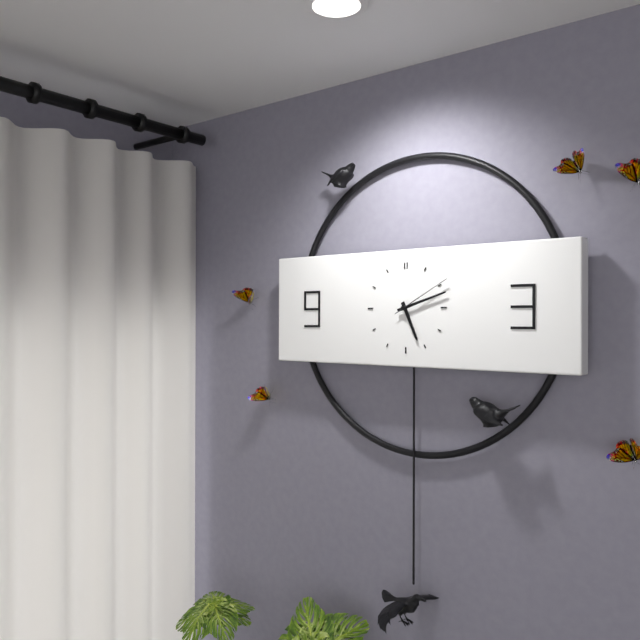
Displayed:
5.12.10
